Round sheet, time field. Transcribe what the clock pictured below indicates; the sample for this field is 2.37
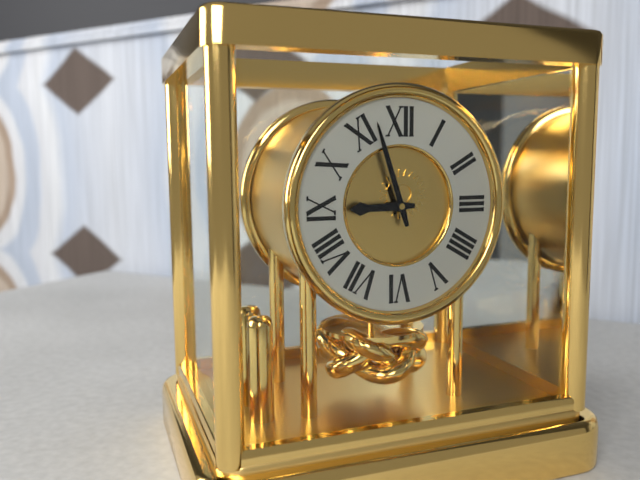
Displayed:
8.57
